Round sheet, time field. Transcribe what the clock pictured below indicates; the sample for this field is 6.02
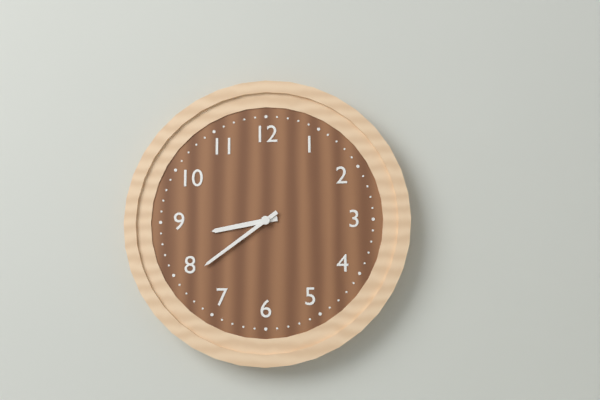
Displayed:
8.39
